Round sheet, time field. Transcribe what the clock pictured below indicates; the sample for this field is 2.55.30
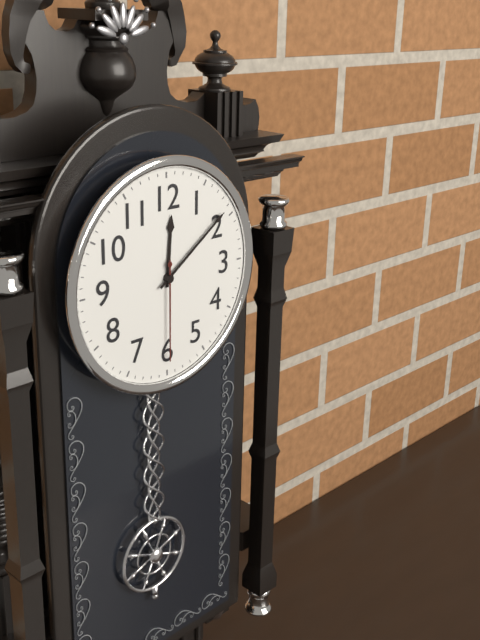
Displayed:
12.09.30
